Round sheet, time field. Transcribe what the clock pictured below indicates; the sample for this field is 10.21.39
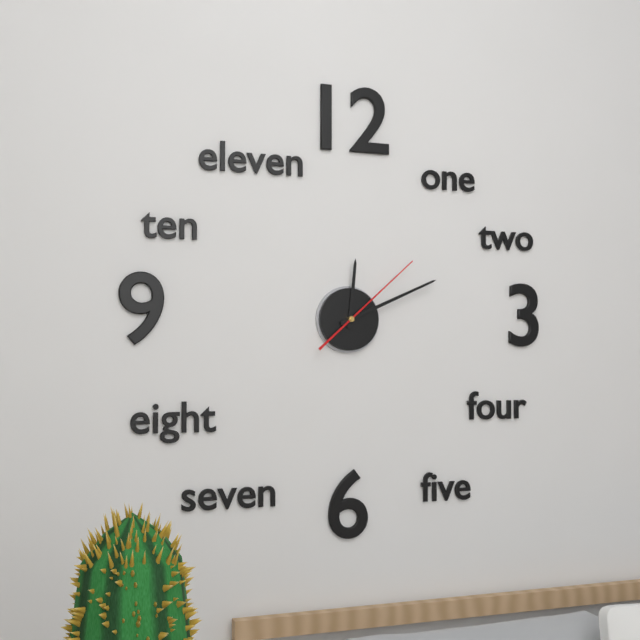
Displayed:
12.11.08
